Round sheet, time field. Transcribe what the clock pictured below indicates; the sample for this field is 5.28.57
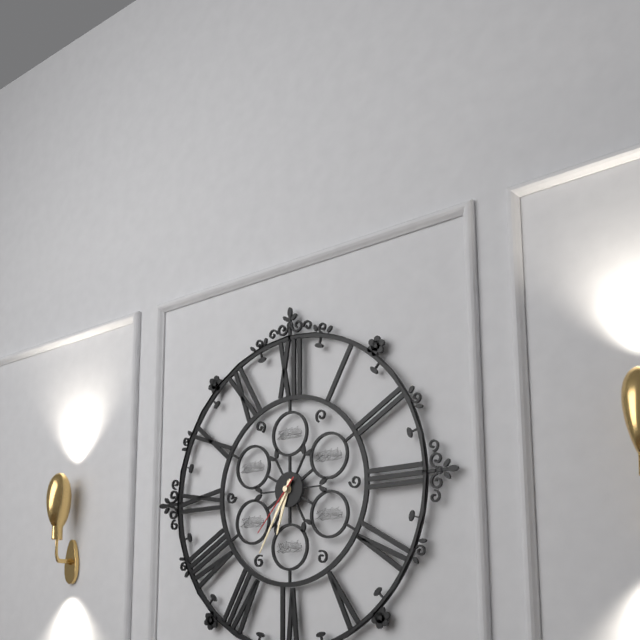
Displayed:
6.35.37
